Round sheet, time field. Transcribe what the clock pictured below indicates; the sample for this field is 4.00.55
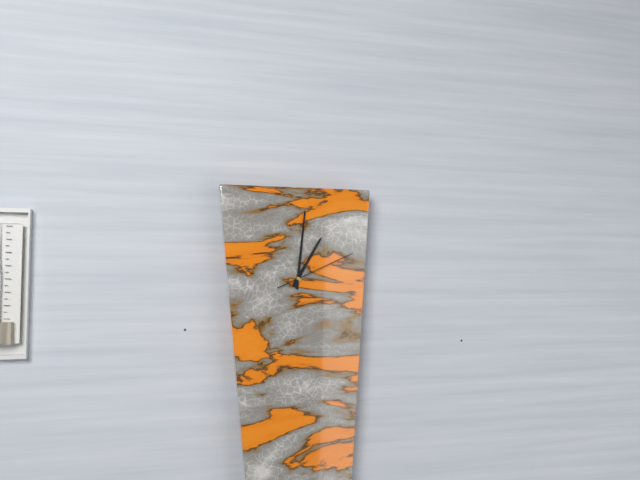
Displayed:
1.01.11
